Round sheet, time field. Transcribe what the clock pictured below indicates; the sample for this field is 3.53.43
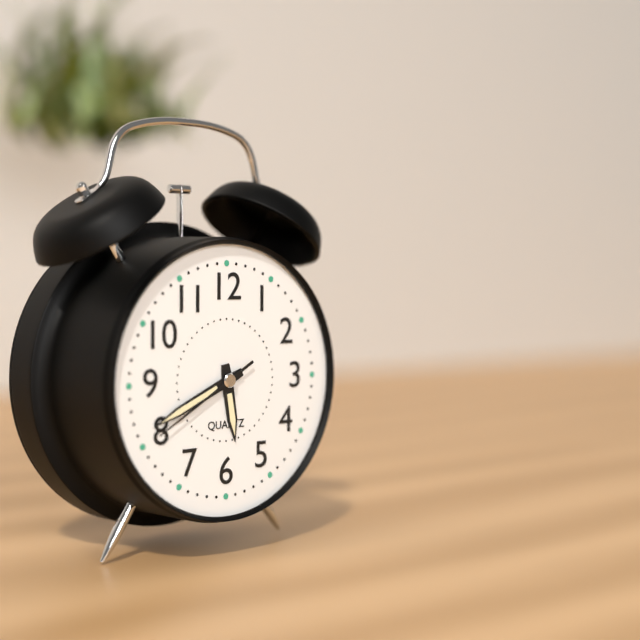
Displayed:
5.41.40
